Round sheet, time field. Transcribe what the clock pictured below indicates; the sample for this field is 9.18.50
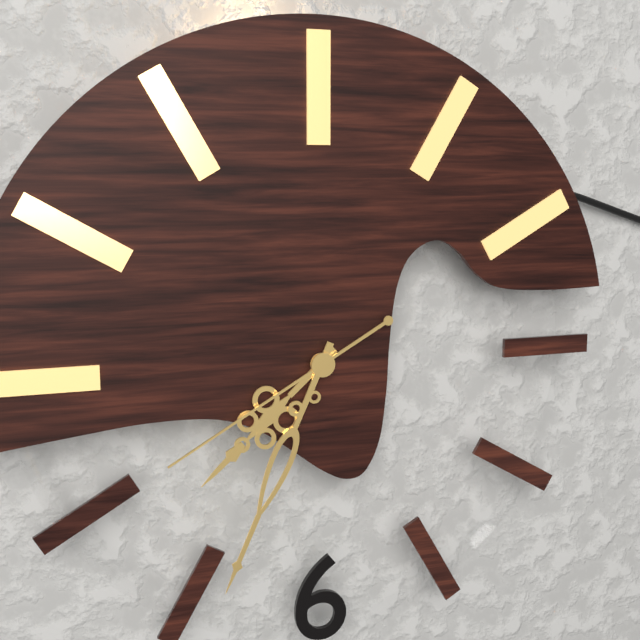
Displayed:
7.34.40
